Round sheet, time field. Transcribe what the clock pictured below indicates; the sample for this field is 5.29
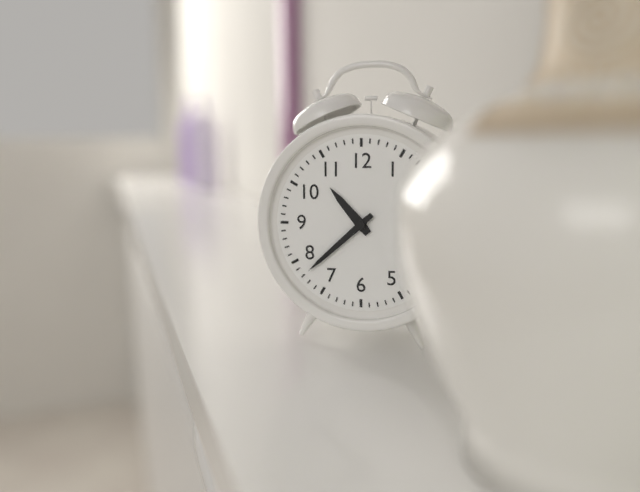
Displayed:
10.38
